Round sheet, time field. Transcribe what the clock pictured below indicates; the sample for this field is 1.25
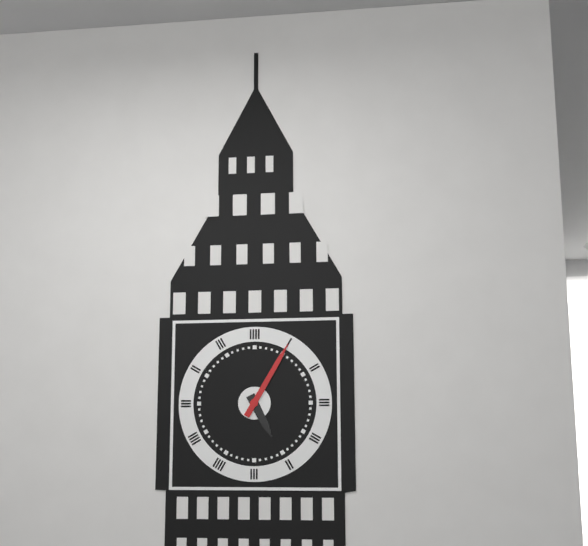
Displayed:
5.05
